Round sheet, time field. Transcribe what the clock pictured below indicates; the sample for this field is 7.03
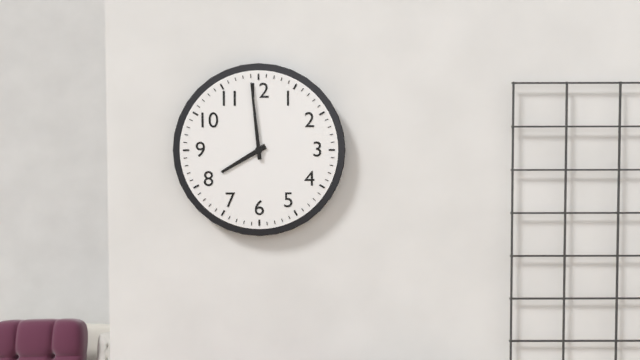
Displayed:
7.59
